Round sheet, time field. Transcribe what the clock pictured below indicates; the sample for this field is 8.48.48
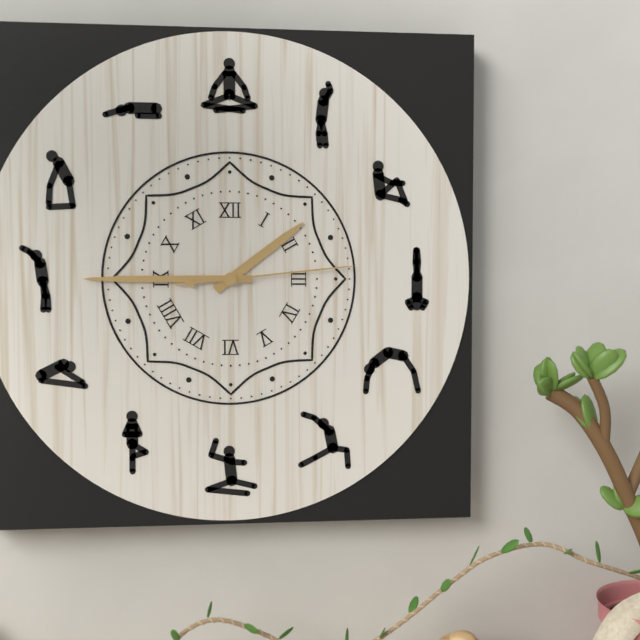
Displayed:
1.45.14
